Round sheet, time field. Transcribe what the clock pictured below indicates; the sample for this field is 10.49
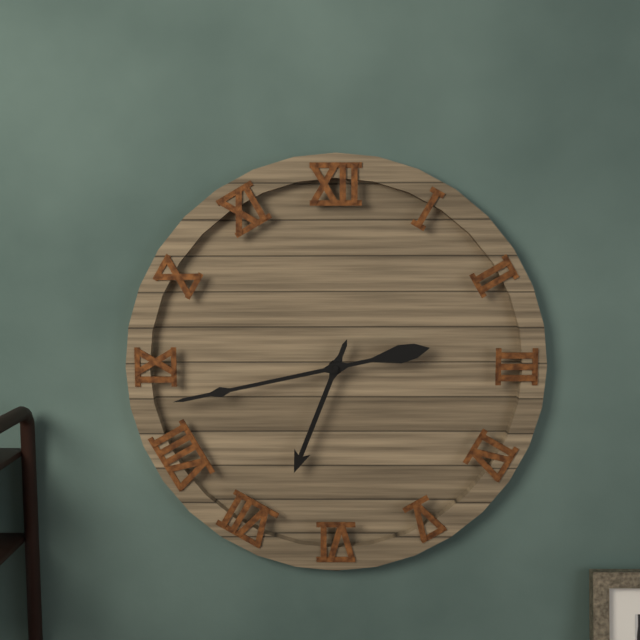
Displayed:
6.43
